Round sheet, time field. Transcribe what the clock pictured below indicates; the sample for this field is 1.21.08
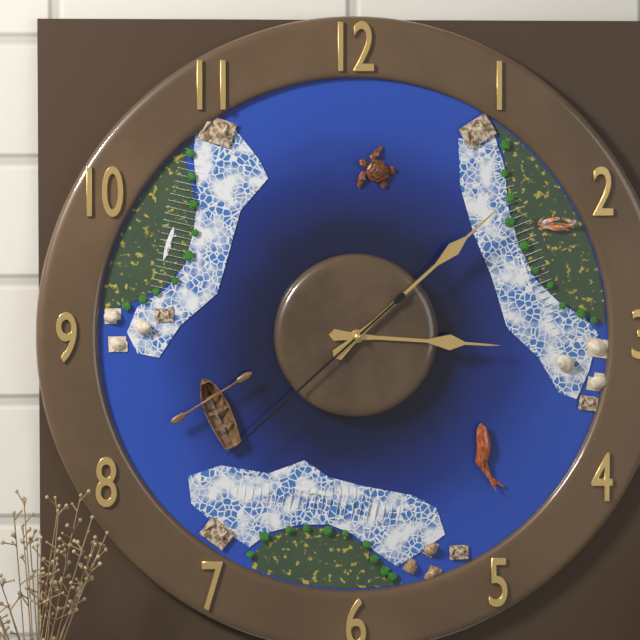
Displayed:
3.08.38
